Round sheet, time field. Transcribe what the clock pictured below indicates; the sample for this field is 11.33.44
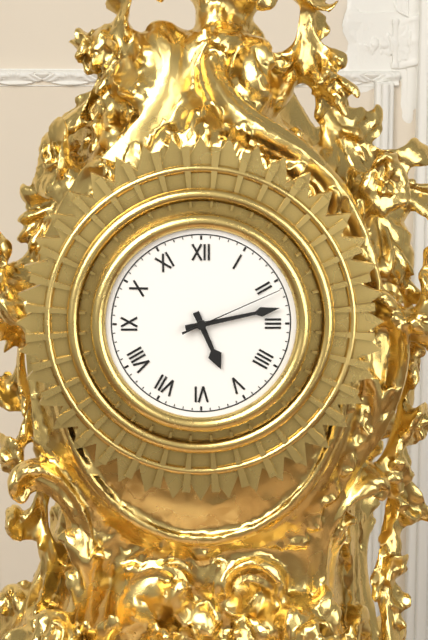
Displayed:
5.13.11
